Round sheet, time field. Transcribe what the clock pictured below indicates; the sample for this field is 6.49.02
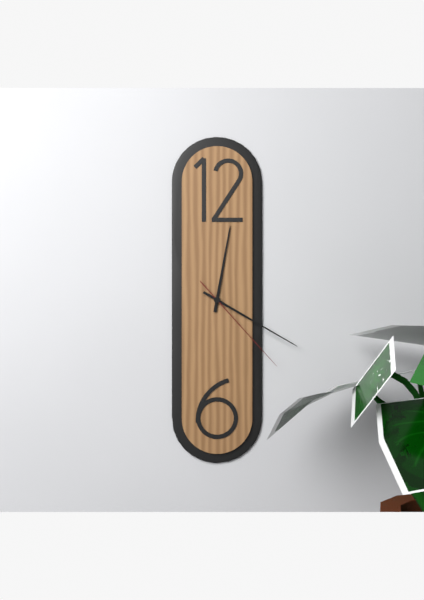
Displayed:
12.20.23
